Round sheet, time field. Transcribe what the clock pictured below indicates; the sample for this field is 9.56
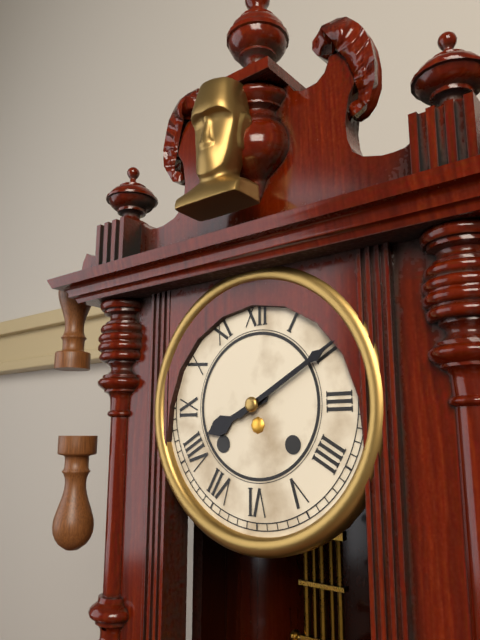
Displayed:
8.10
